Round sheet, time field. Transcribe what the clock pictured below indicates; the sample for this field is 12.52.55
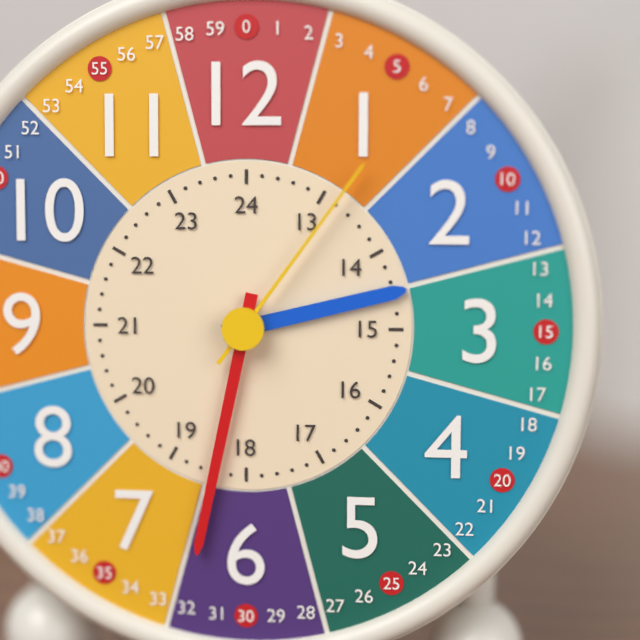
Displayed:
2.32.06
